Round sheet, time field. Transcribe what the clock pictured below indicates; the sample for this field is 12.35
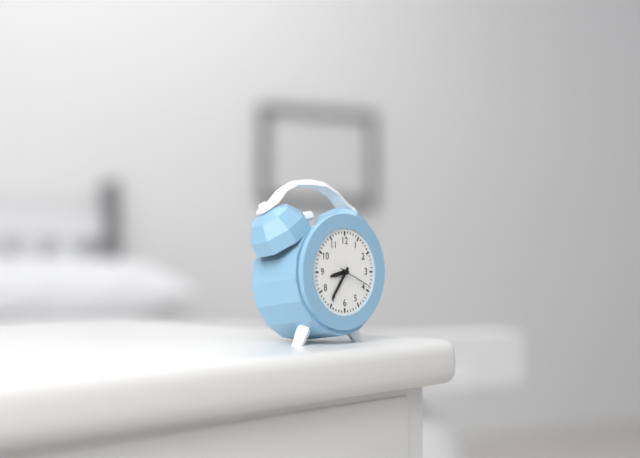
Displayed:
8.36
